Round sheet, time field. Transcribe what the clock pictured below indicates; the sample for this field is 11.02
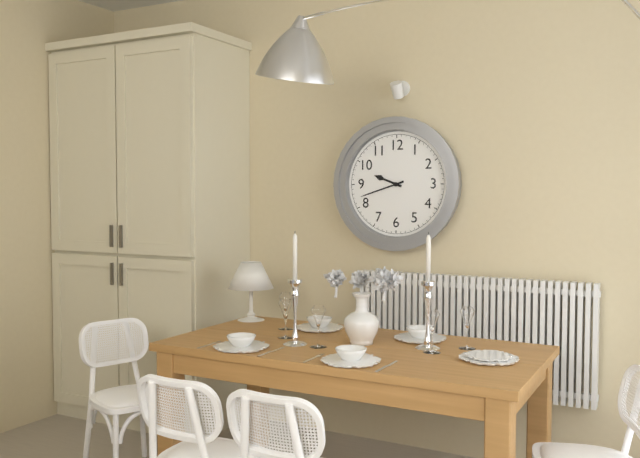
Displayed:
9.42
